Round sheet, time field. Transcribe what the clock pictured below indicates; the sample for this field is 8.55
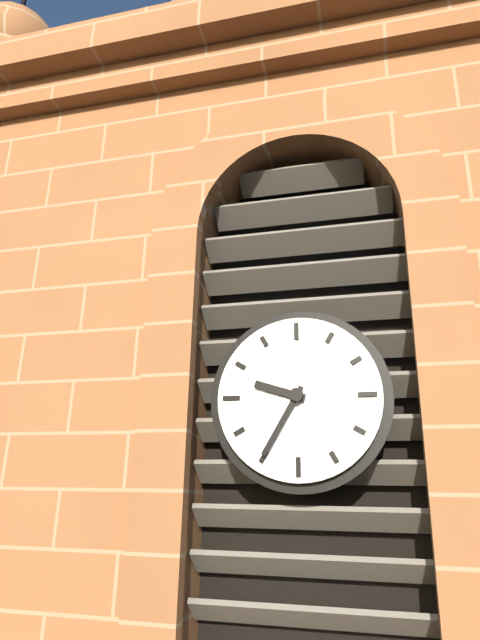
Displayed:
9.35
